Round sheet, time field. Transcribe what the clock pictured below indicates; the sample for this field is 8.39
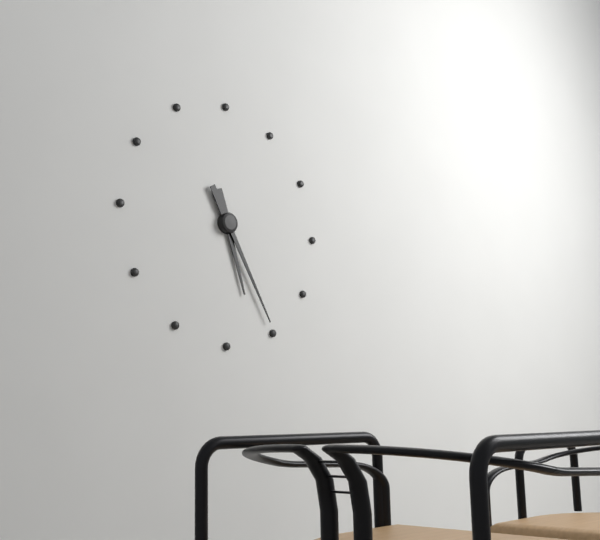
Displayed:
5.25
